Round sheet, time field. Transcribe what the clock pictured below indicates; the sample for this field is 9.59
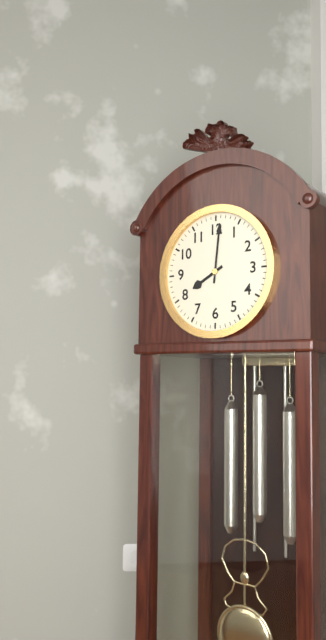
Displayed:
8.01
